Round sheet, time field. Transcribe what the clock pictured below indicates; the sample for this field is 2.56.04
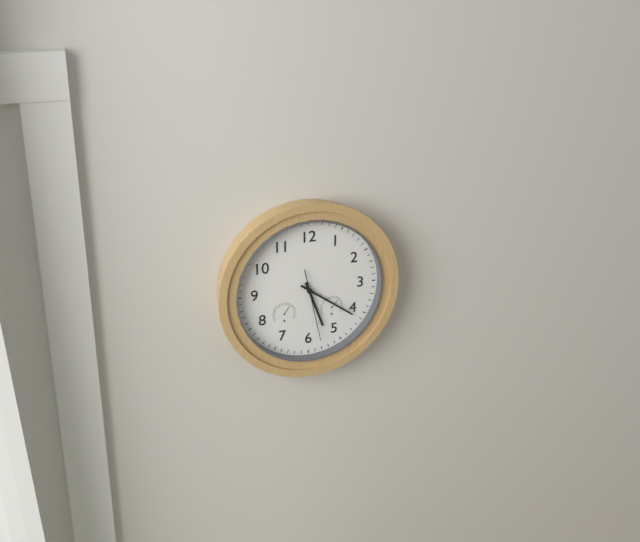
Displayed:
5.21.28
